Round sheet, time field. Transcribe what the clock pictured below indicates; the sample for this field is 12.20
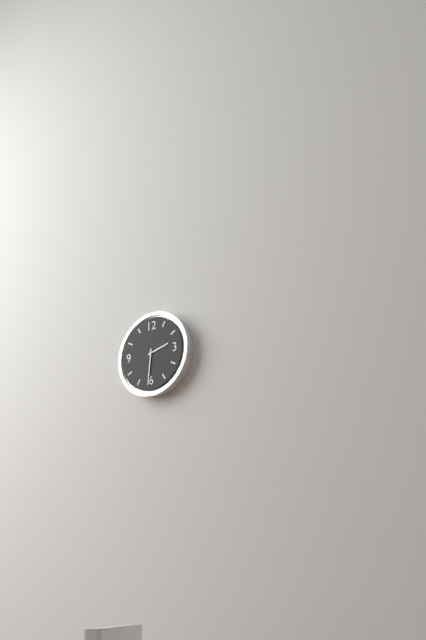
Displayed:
2.31
